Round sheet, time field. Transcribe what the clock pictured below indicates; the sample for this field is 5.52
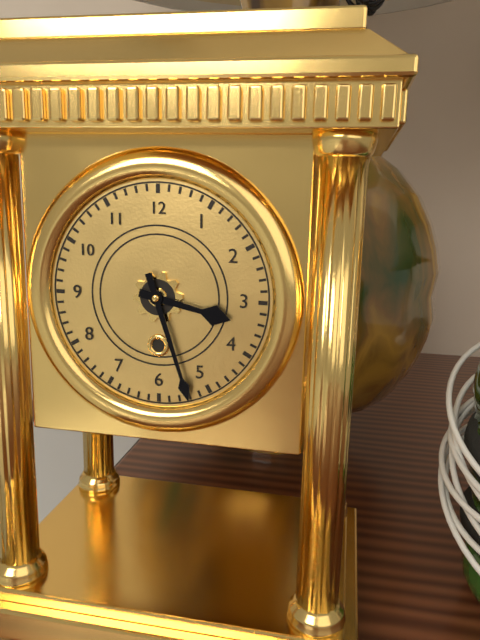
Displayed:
3.27
